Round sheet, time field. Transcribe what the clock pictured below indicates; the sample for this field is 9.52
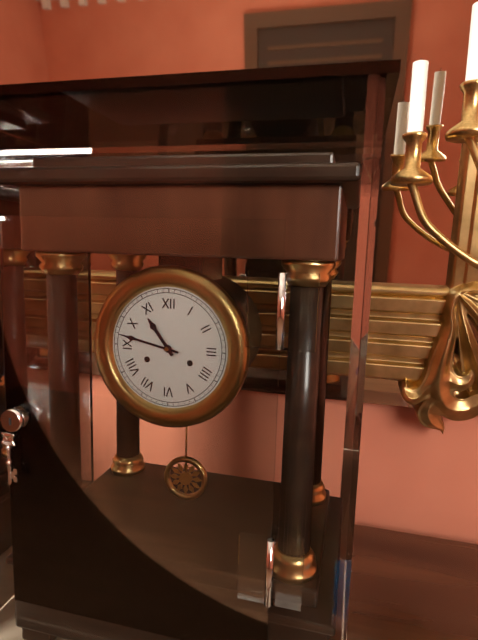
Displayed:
10.47
